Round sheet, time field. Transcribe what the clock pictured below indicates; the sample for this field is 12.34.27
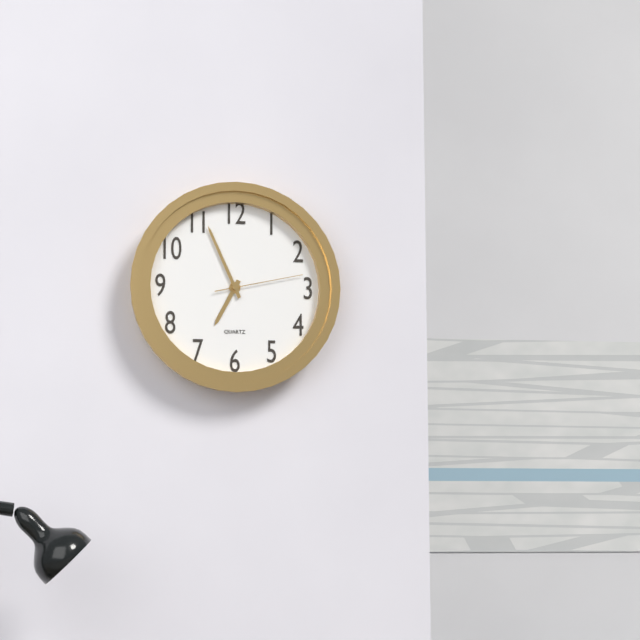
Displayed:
6.56.13
